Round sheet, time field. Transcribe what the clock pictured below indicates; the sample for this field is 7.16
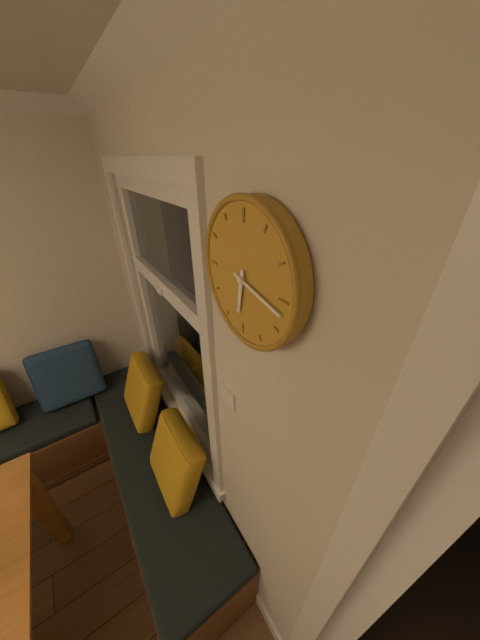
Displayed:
6.17
